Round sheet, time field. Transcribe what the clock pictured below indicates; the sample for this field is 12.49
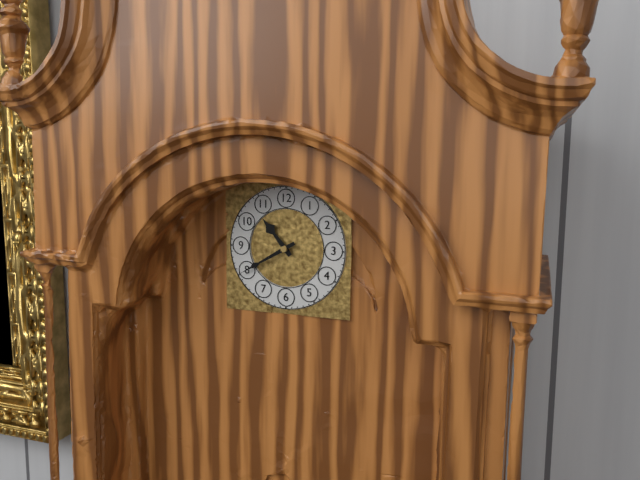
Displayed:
10.40
